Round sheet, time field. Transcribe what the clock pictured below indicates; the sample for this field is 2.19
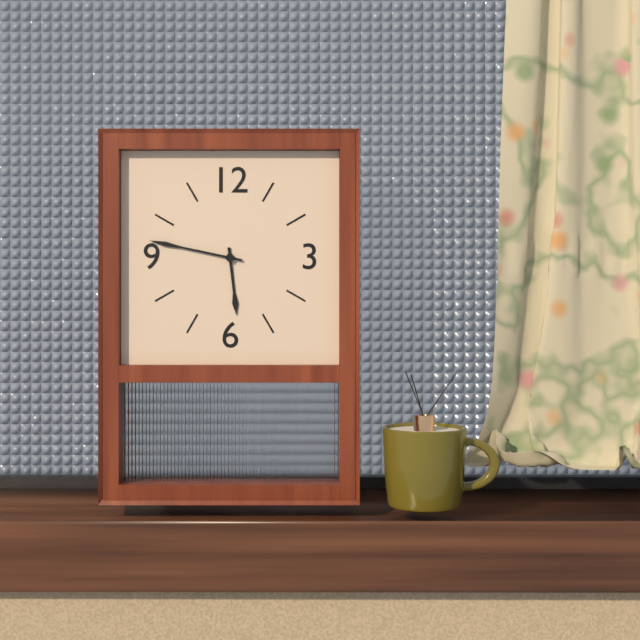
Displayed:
5.47
